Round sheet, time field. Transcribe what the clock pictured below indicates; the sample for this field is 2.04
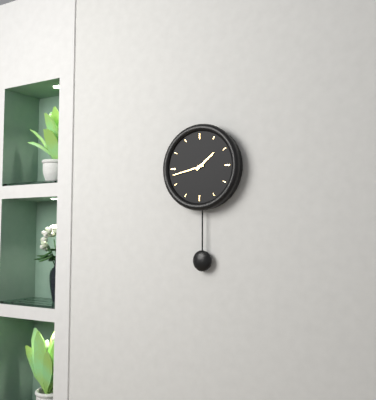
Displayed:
1.43
